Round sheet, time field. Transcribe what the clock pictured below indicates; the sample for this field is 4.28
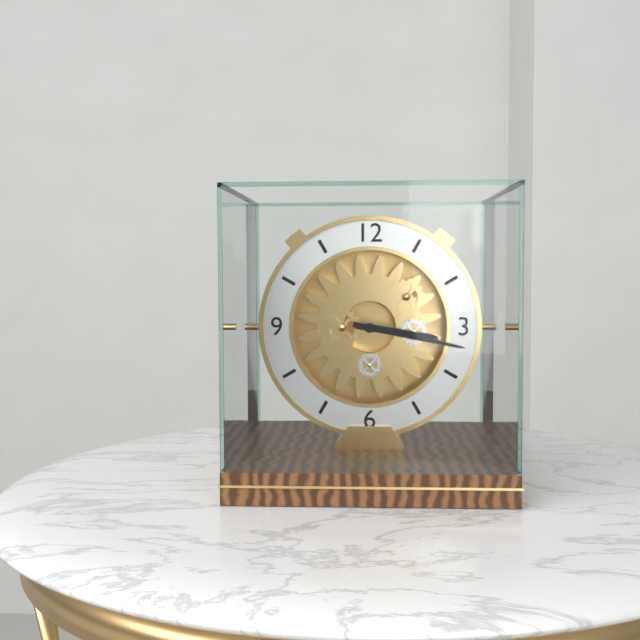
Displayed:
3.17
